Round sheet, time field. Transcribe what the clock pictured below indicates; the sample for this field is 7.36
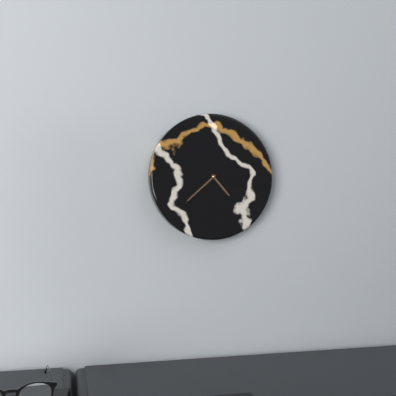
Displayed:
4.38
